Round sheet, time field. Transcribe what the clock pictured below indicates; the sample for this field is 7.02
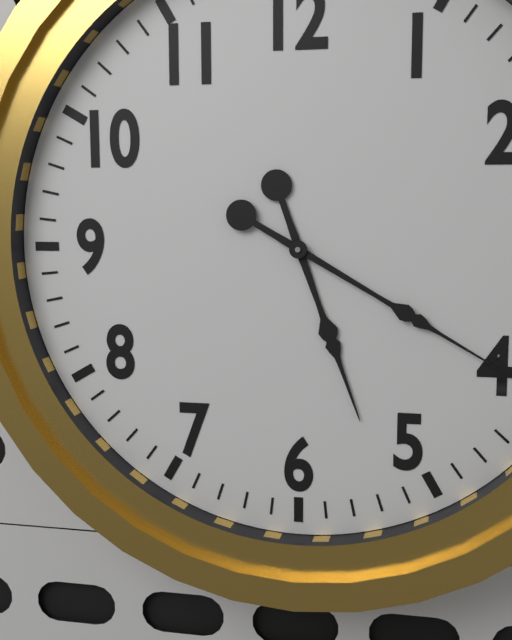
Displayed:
5.20
